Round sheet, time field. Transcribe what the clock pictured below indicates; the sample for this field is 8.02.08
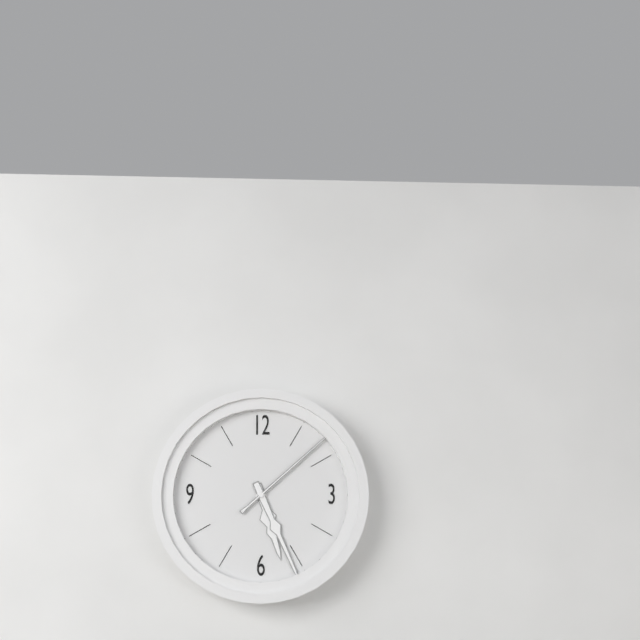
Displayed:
5.26.08
